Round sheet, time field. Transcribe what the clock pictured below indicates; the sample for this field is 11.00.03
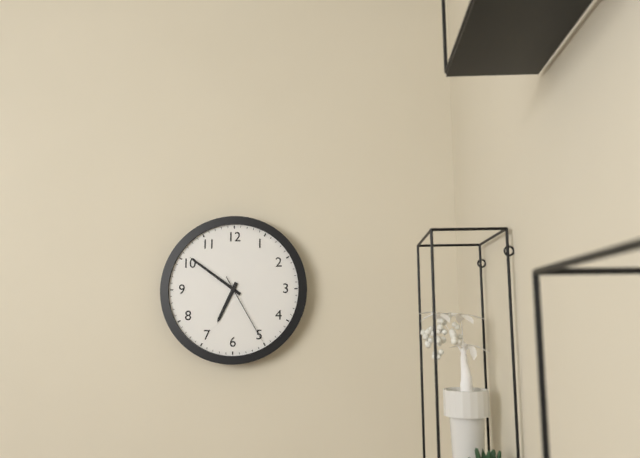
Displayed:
6.51.25
